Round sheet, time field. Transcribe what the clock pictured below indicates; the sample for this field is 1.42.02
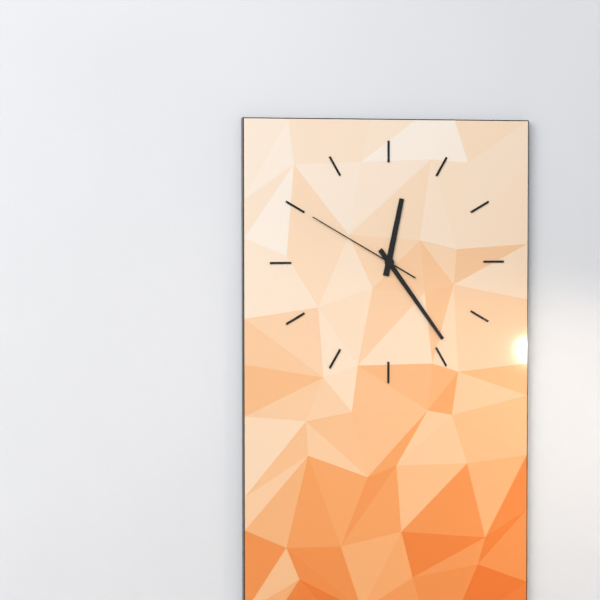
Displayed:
12.24.50
